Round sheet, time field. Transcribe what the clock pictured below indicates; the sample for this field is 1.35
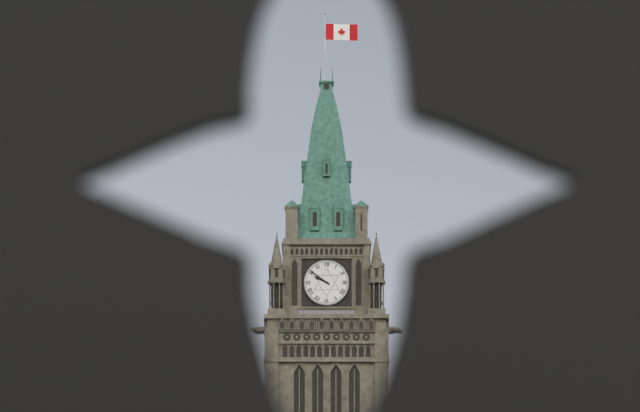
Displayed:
9.51
